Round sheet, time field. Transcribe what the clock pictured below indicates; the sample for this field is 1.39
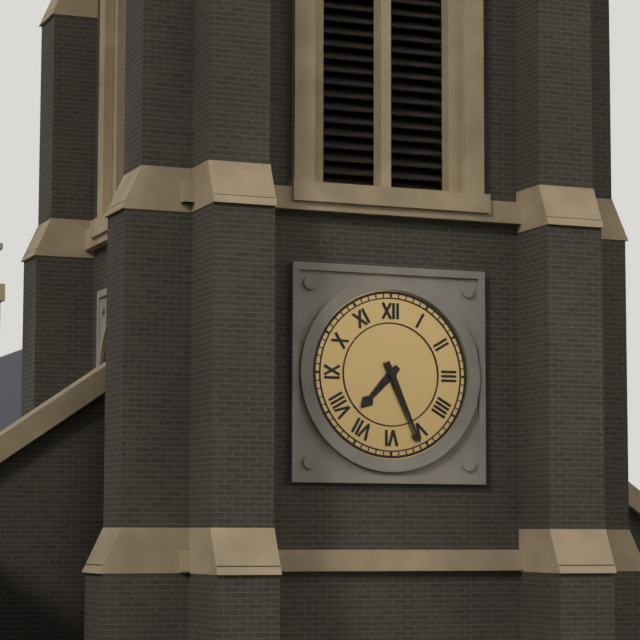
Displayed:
7.26
